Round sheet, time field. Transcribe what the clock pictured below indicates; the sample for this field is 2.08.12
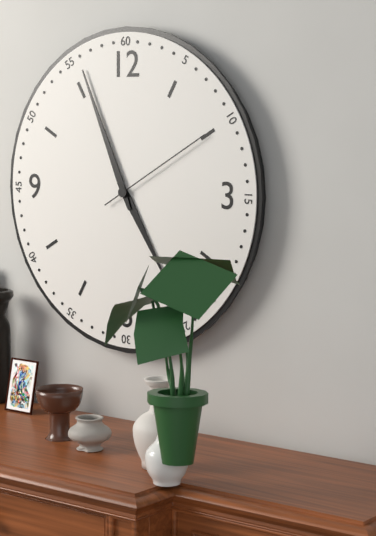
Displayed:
4.56.10
